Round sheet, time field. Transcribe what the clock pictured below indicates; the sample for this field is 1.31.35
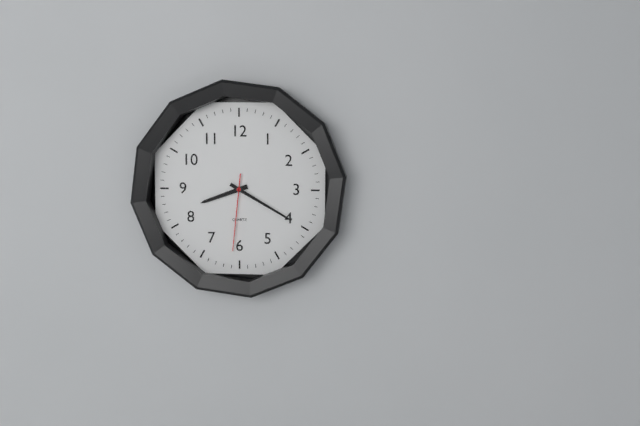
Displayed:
8.20.31
